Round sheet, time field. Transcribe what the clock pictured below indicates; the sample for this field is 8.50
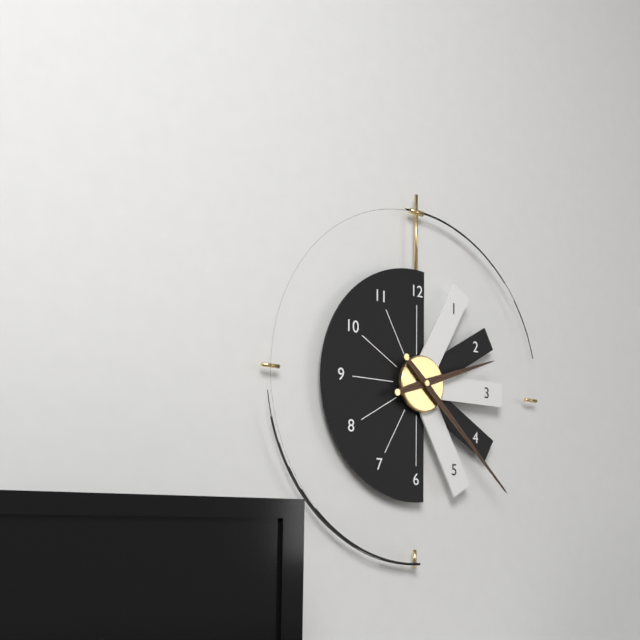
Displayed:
2.22
